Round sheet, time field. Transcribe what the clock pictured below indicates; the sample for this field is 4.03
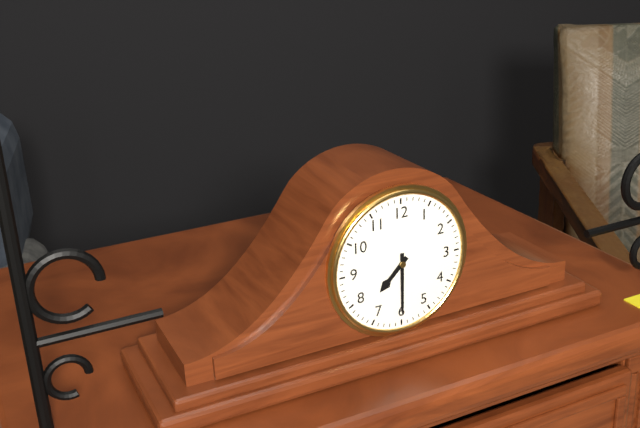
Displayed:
7.30
